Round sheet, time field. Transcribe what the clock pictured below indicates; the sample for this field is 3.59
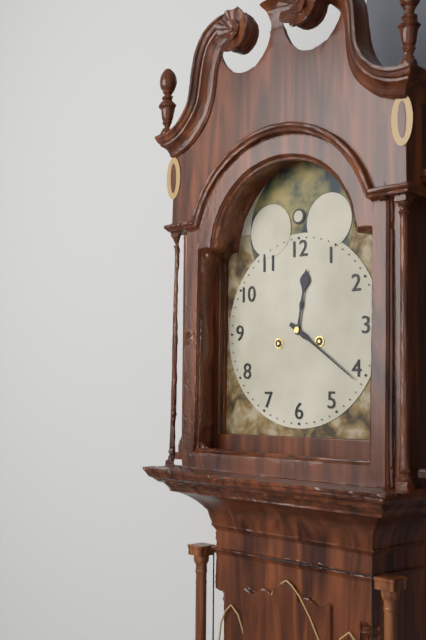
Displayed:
12.21
